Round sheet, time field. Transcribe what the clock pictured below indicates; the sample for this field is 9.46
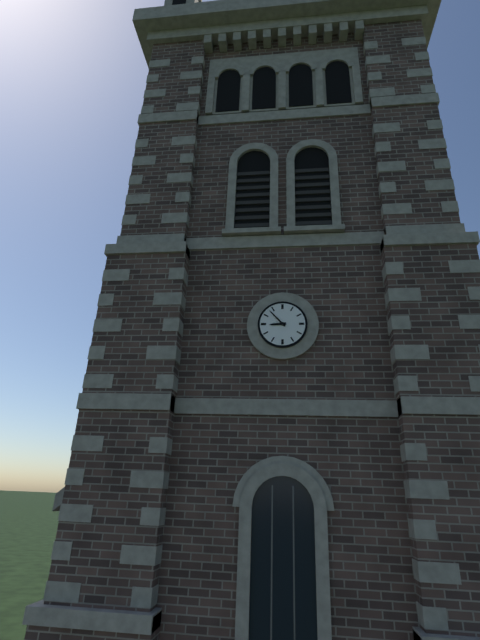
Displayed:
8.53
